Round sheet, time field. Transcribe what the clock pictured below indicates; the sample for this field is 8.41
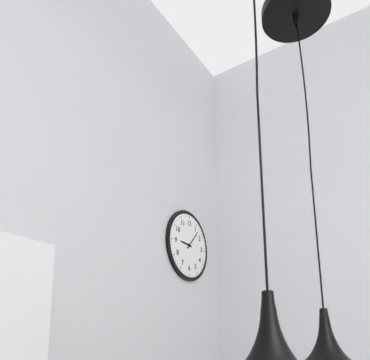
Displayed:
9.07
